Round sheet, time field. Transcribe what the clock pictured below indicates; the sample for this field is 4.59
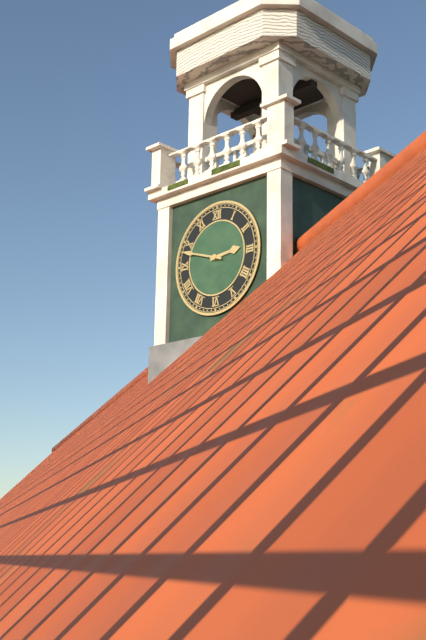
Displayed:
2.48
